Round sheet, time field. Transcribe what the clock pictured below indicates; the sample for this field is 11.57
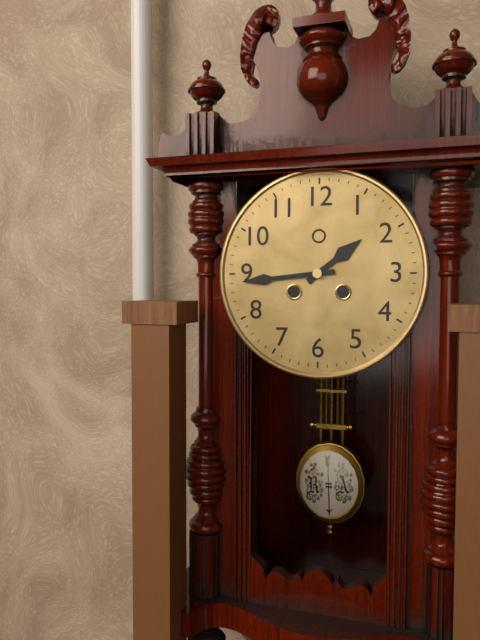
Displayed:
1.44
